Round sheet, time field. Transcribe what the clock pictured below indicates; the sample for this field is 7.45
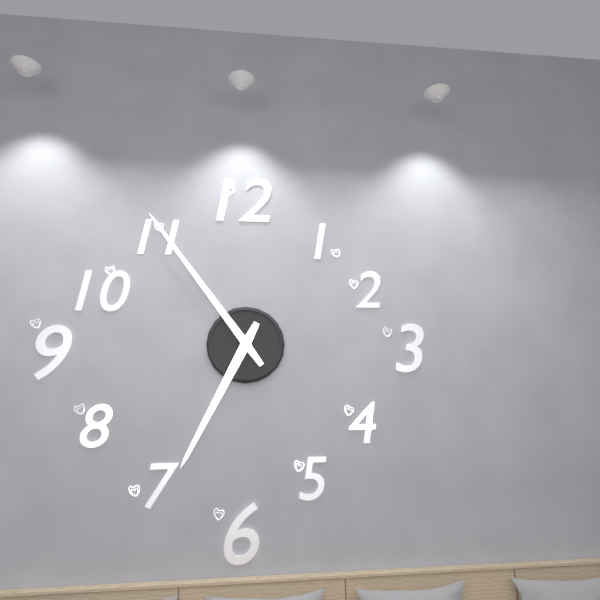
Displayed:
6.54
